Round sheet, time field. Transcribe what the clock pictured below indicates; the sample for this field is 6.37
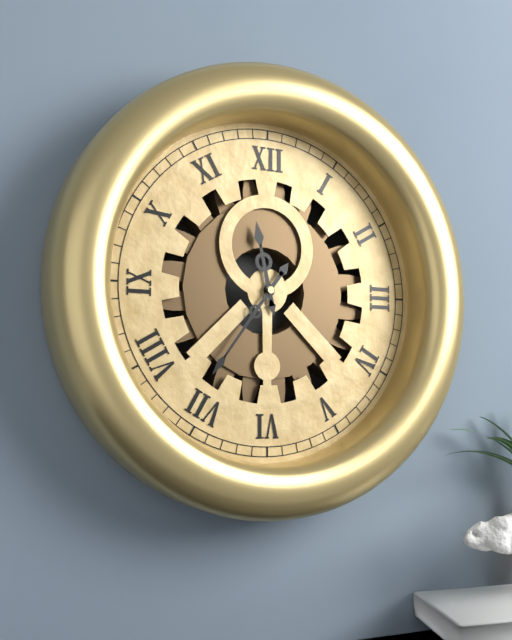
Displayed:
11.36
